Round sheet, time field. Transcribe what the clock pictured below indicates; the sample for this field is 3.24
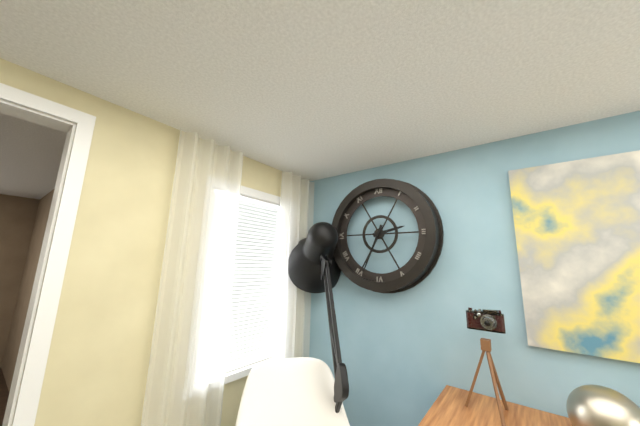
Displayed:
2.34
